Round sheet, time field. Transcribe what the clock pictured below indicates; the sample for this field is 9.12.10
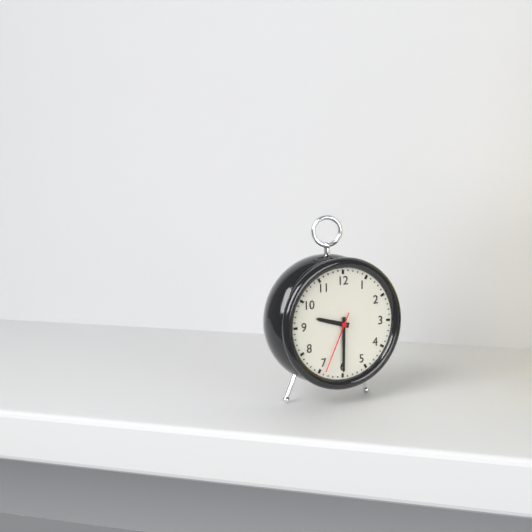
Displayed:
9.30.34
